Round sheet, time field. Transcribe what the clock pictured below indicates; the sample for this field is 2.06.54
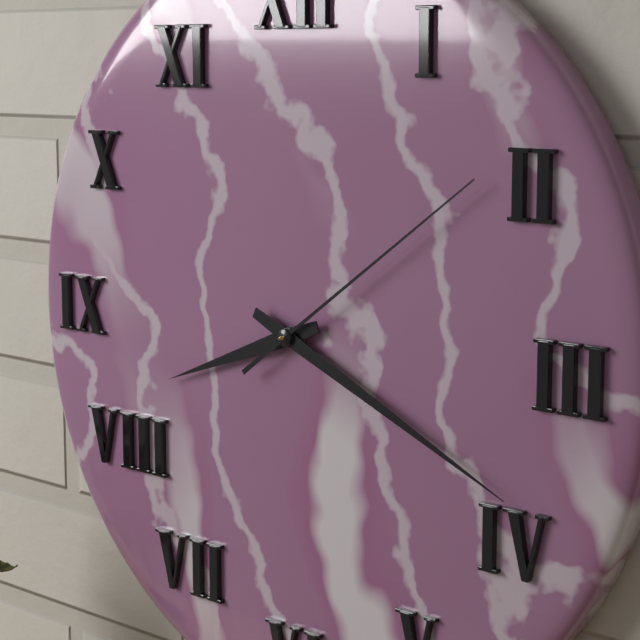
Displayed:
8.19.09
